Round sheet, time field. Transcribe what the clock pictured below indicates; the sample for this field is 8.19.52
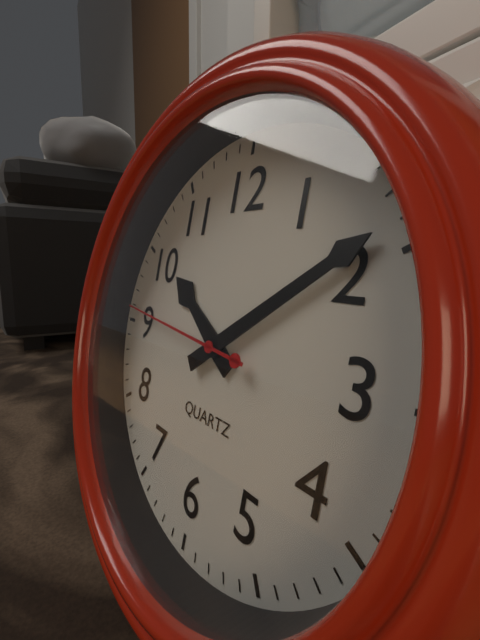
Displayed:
10.09.46
